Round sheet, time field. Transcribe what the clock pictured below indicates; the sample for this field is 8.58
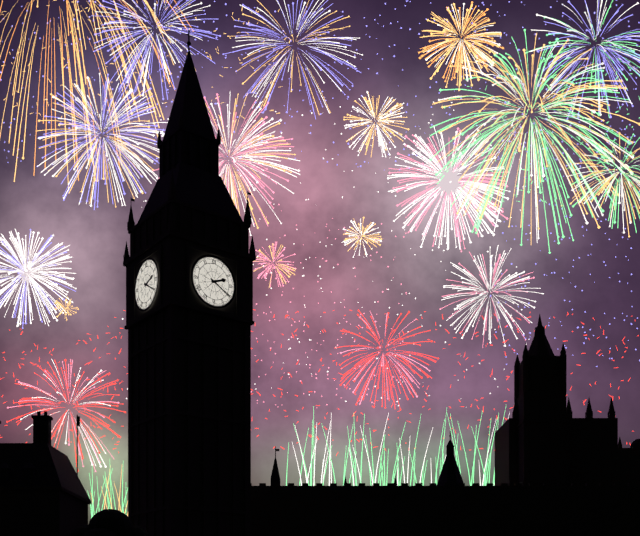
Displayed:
2.20
